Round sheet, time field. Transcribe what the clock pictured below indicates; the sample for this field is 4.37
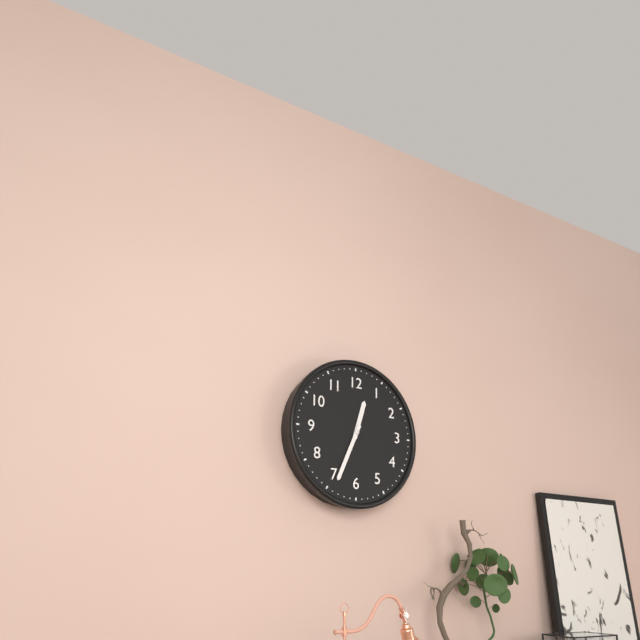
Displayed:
12.34
